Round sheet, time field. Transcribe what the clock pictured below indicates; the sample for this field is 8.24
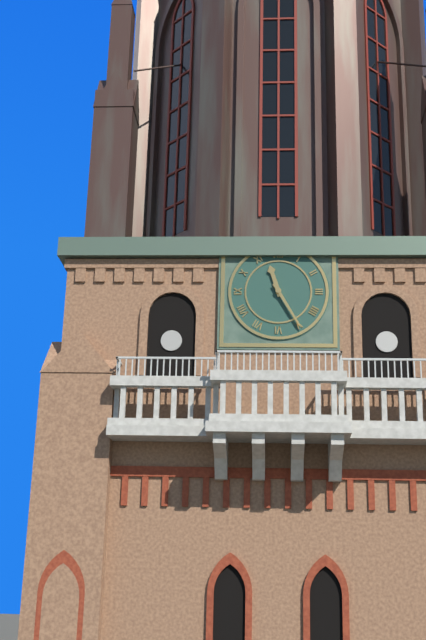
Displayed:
11.25
